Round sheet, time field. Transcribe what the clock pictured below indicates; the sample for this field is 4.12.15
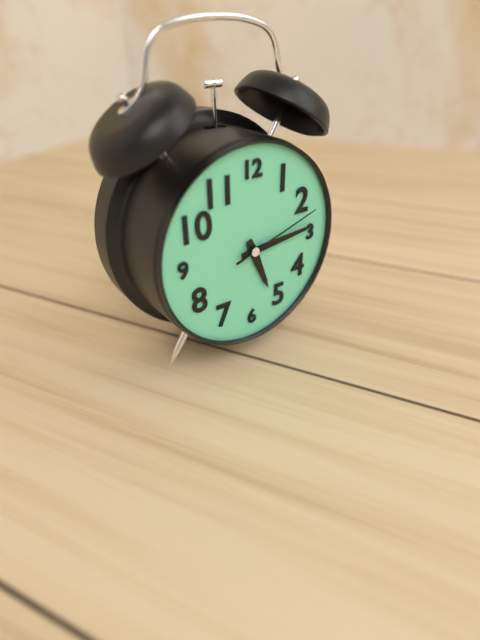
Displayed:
5.14.12
